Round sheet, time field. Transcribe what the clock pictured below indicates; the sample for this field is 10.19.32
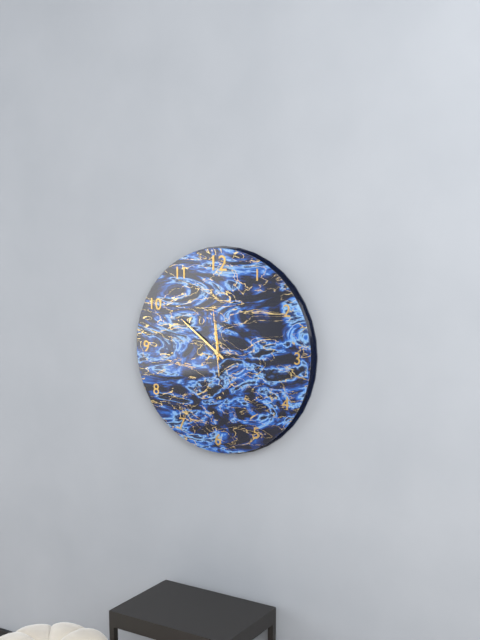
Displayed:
11.51.59
